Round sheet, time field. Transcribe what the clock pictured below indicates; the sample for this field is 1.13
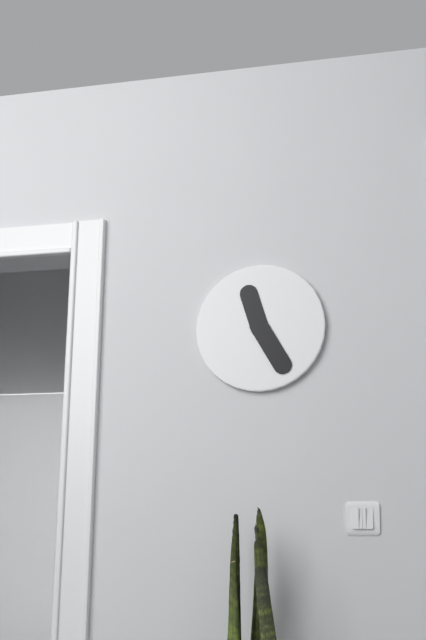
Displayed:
11.25
